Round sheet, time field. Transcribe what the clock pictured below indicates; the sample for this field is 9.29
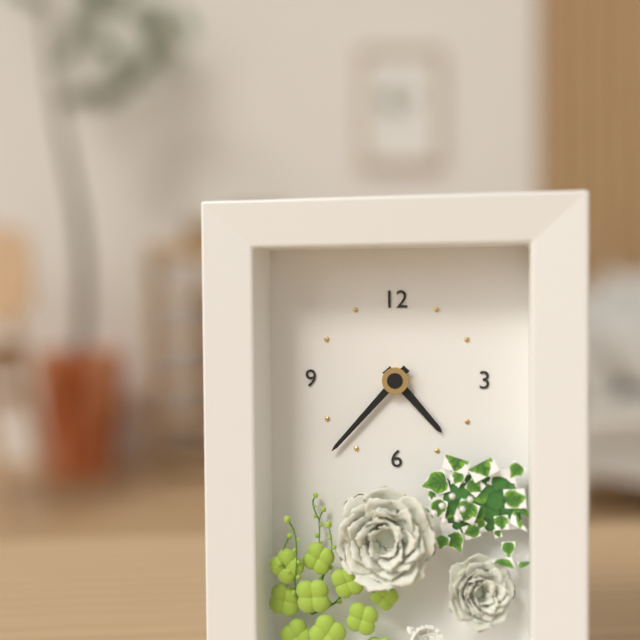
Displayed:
4.37
